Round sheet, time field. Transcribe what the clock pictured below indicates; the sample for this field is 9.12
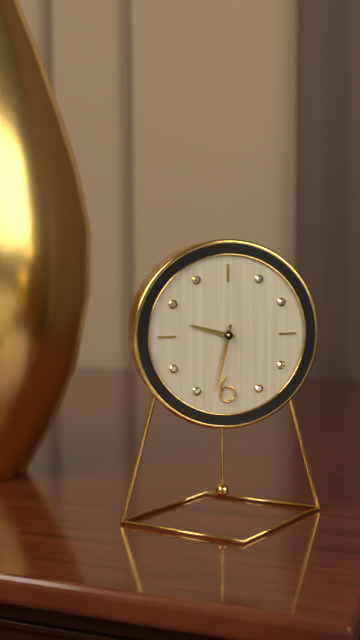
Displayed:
9.32
